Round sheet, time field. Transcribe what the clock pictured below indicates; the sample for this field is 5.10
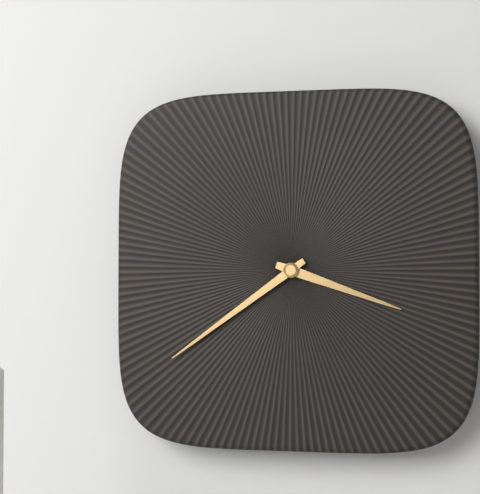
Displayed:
3.39
